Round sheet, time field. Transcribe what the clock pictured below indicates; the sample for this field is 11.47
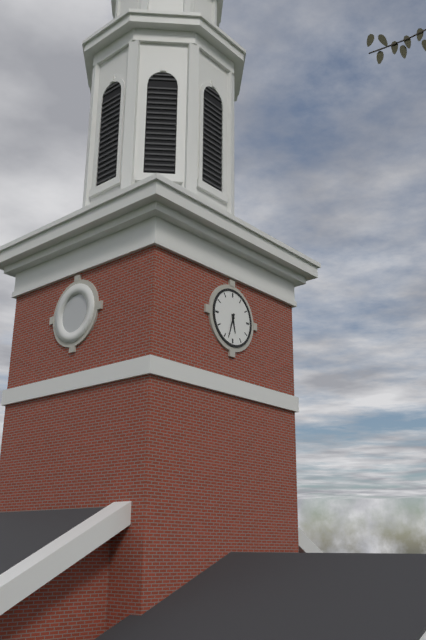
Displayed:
5.33
